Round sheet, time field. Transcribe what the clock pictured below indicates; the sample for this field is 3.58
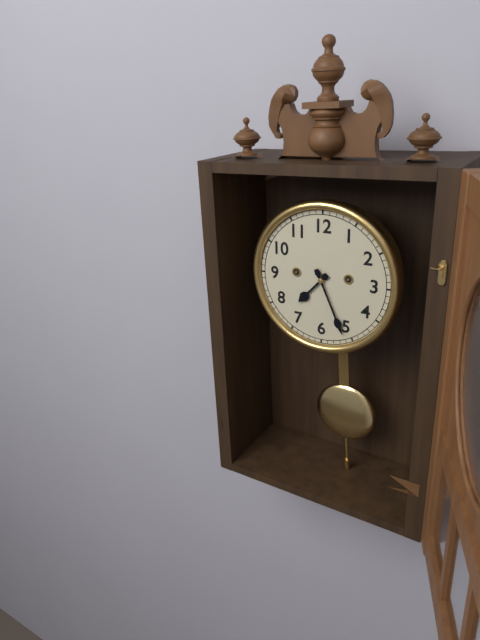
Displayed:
7.26
